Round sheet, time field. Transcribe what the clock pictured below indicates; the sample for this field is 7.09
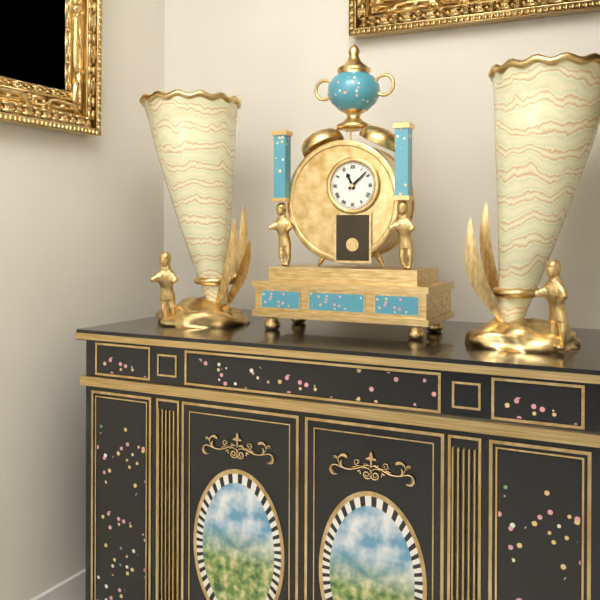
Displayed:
11.08
